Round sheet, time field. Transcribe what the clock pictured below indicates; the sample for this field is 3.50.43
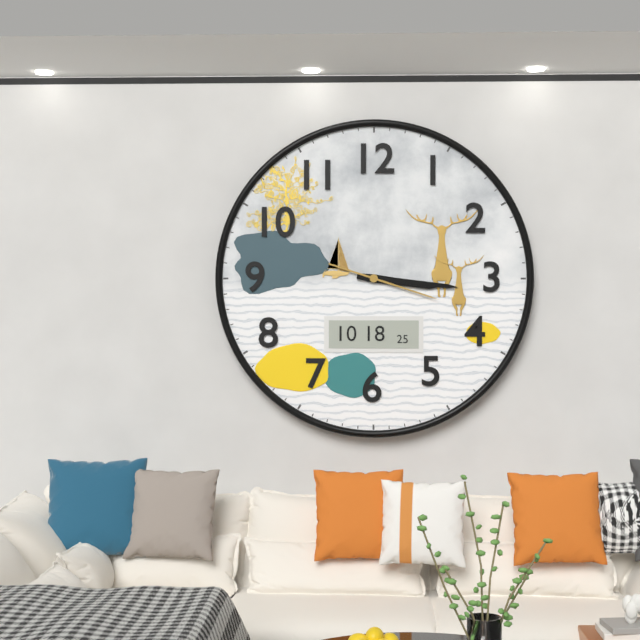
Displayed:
3.16.18
